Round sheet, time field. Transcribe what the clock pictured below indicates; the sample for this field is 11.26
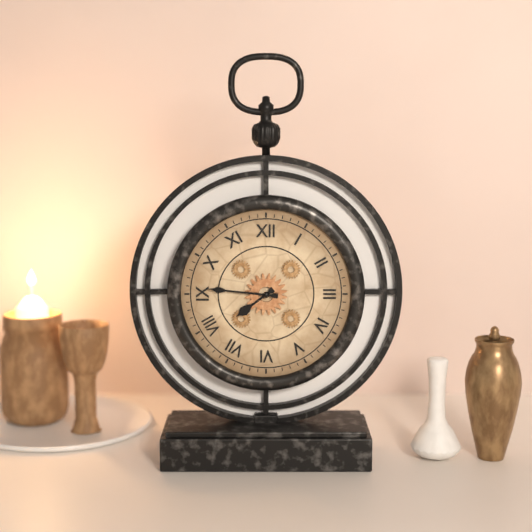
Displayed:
7.46
